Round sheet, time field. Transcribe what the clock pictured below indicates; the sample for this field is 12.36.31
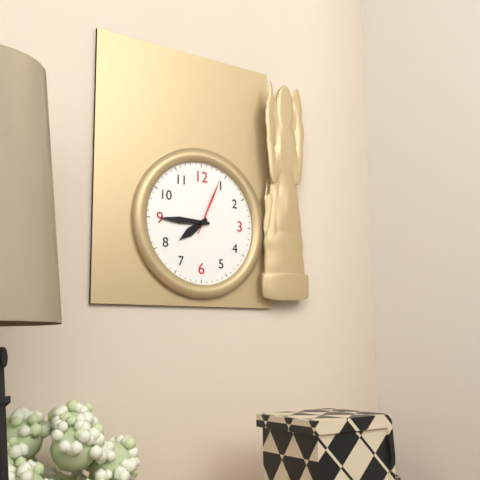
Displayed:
7.45.04
